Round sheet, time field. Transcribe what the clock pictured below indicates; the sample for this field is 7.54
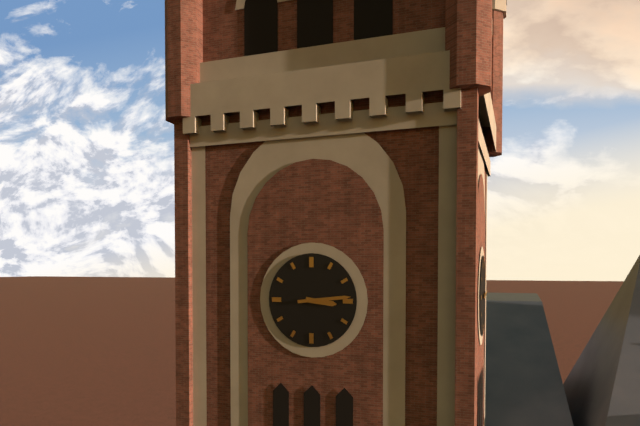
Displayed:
3.14
